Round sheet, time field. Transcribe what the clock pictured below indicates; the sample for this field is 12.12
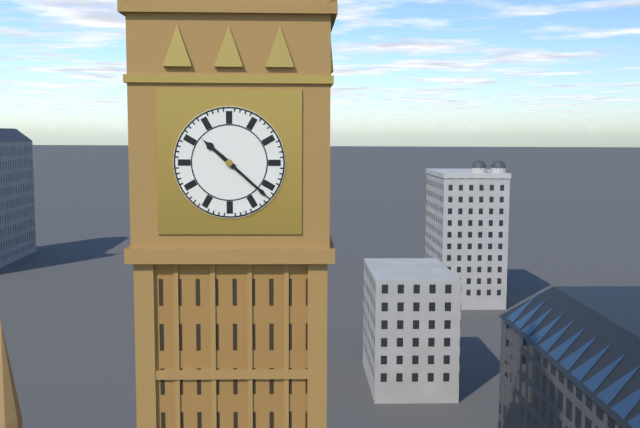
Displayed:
10.22
